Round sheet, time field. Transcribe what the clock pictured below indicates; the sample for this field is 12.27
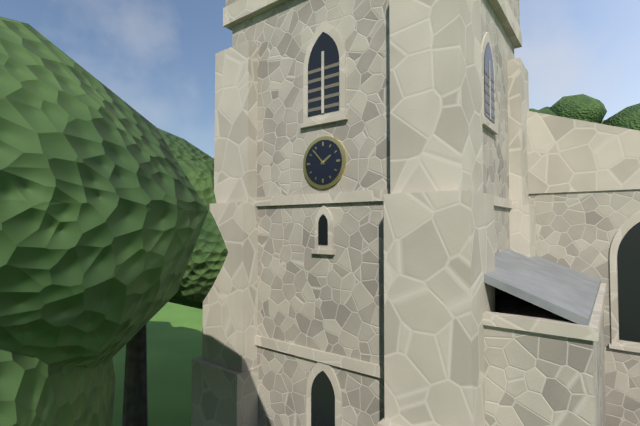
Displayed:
1.53
